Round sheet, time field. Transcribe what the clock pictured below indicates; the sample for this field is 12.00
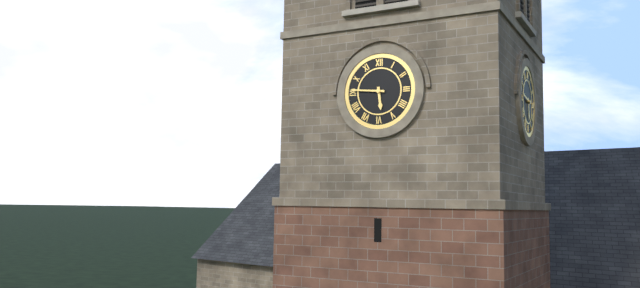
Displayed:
5.46
